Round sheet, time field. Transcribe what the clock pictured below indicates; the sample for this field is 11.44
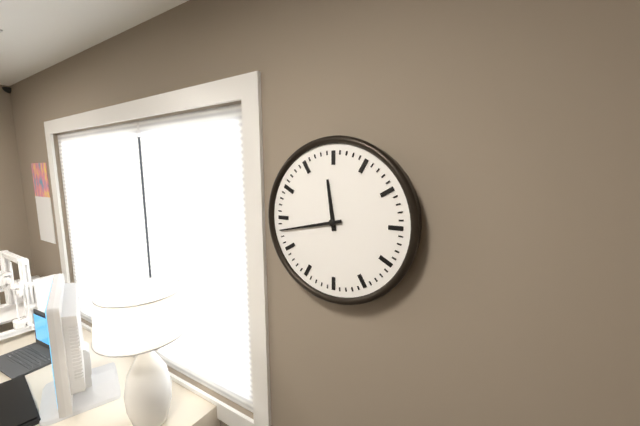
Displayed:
11.43
